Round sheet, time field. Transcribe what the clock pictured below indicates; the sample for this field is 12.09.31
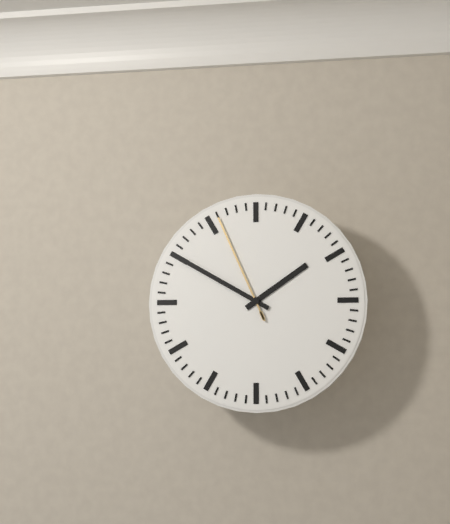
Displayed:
1.50.56
